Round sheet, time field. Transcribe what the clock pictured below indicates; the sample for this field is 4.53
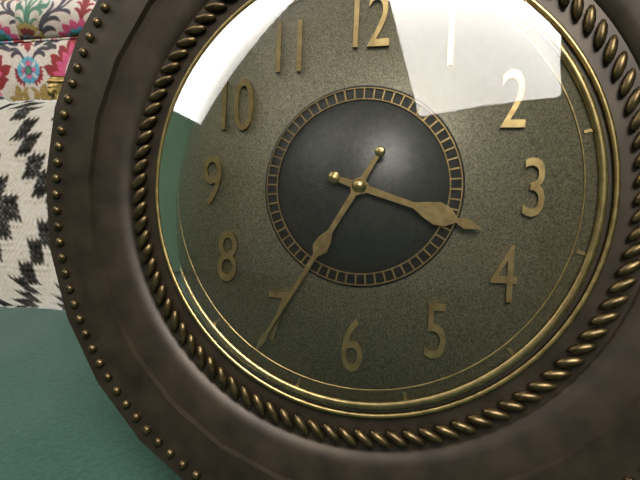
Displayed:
3.35
